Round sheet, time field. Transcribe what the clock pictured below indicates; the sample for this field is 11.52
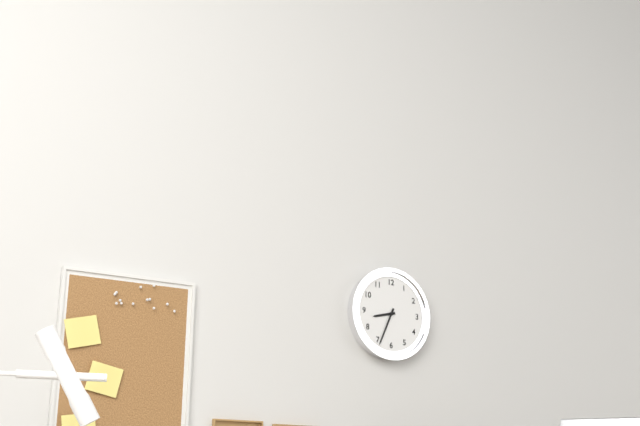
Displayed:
8.34
